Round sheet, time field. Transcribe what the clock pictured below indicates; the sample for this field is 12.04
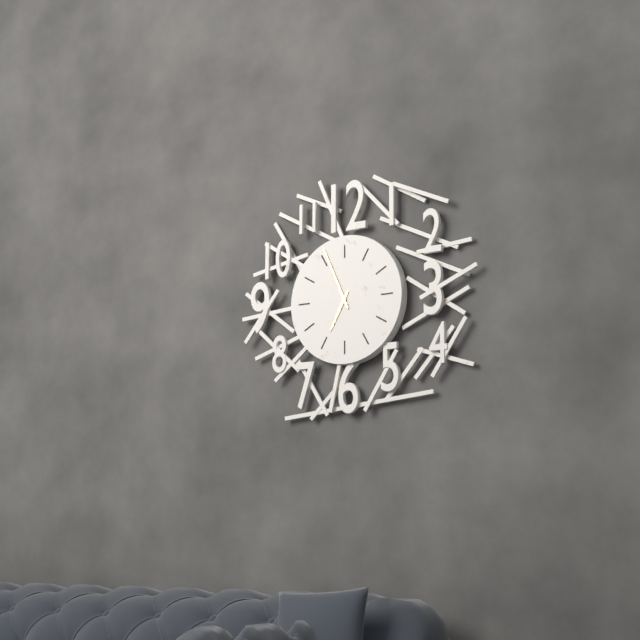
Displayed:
6.56
